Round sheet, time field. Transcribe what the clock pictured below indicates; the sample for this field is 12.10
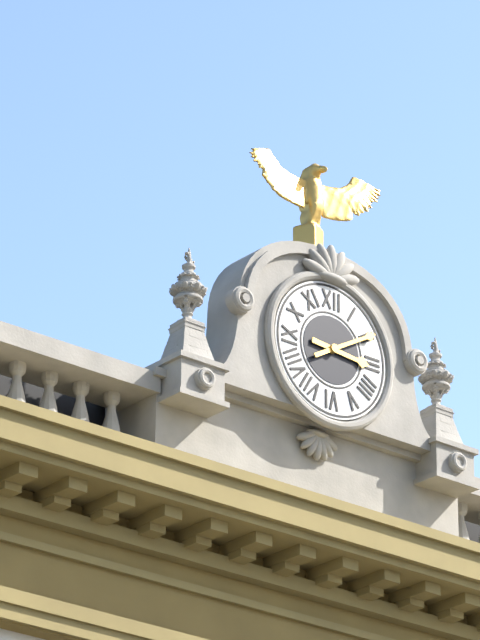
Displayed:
3.10
